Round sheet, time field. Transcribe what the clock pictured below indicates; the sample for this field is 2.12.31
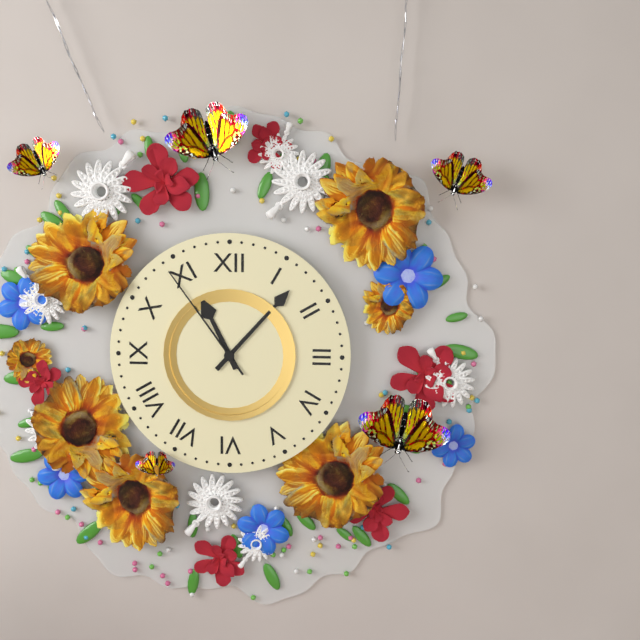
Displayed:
11.07.54
